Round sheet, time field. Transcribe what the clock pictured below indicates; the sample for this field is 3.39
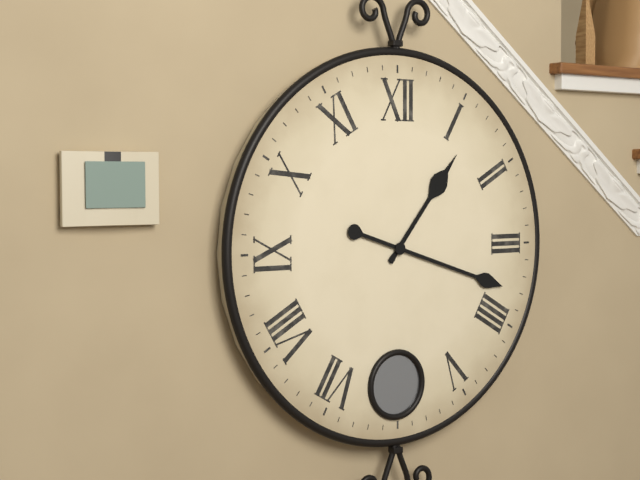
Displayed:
1.18
